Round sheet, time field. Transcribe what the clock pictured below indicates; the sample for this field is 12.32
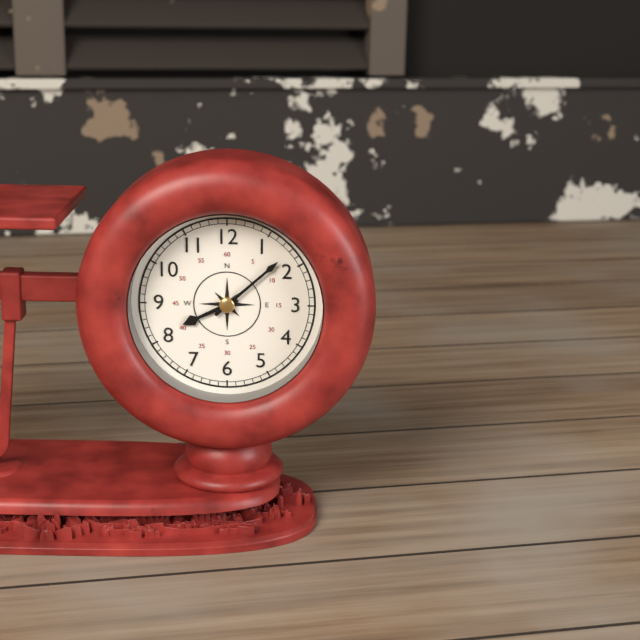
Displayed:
8.08
